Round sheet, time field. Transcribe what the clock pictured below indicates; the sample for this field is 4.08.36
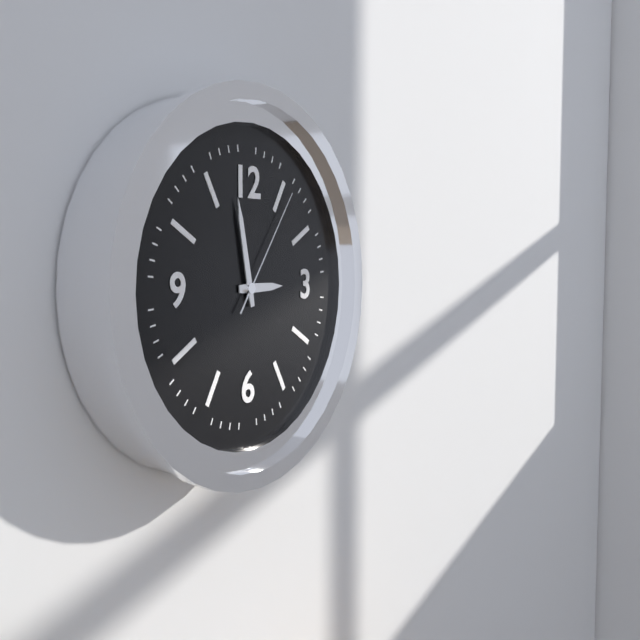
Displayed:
2.58.06
